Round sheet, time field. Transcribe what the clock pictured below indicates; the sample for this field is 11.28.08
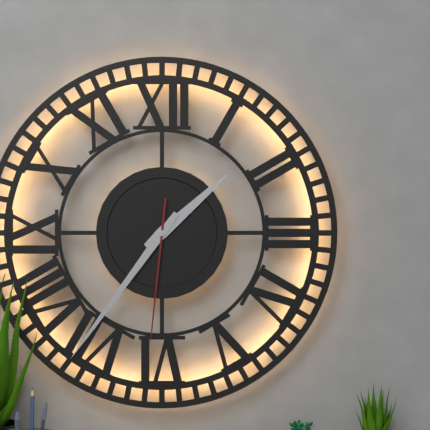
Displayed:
1.36.31
